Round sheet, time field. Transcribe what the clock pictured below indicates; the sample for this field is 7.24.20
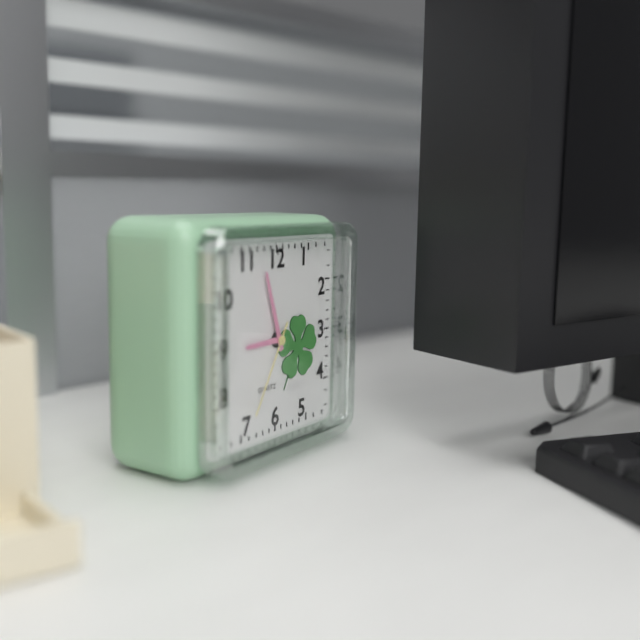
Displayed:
8.57.35
